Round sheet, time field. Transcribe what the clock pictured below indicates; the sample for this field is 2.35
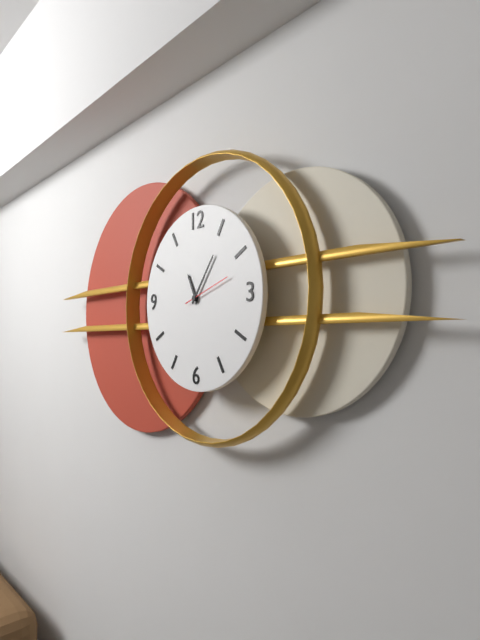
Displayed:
11.06
